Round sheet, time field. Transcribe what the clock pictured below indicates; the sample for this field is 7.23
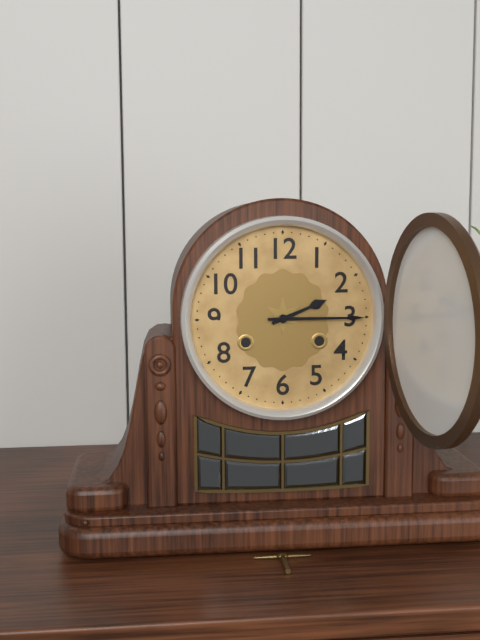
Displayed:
2.15
